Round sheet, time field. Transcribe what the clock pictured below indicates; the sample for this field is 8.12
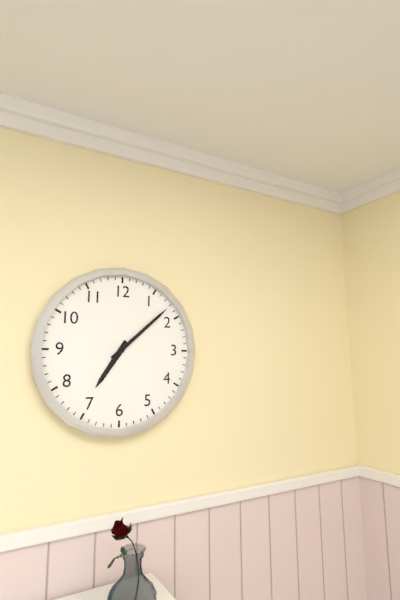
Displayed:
7.08
